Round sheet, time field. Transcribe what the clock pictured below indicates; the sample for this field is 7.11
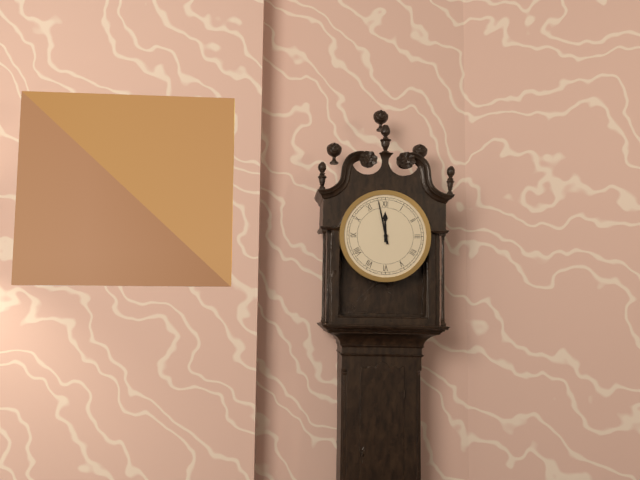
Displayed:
11.58
